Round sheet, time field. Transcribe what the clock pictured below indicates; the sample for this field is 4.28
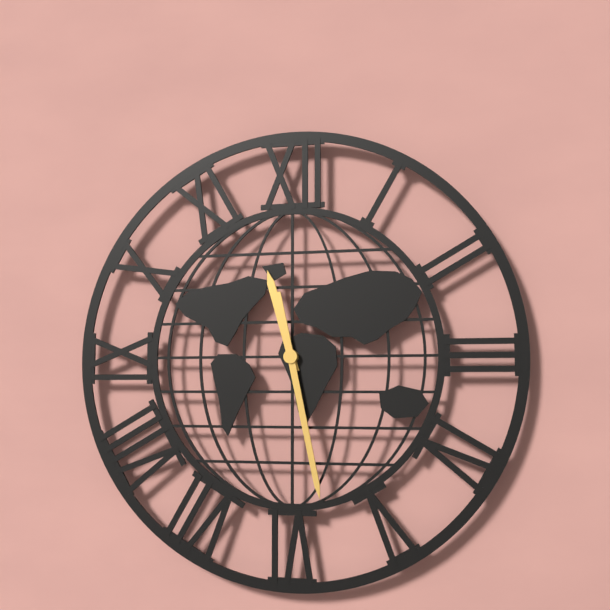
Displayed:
11.28
